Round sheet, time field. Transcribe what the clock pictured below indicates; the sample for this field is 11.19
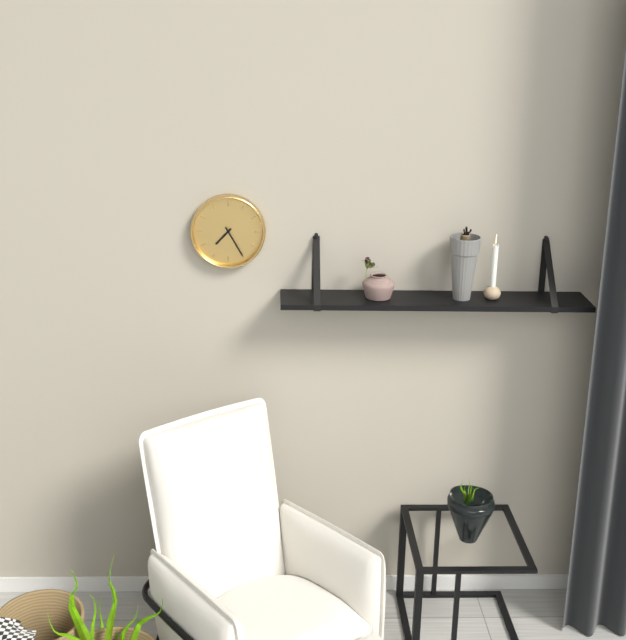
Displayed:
7.25
